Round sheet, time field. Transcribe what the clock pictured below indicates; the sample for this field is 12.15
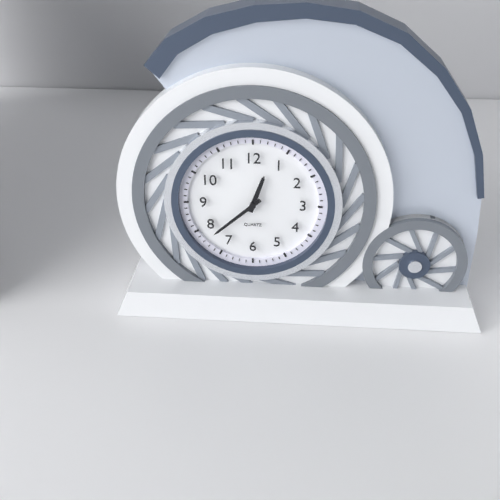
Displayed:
12.38
